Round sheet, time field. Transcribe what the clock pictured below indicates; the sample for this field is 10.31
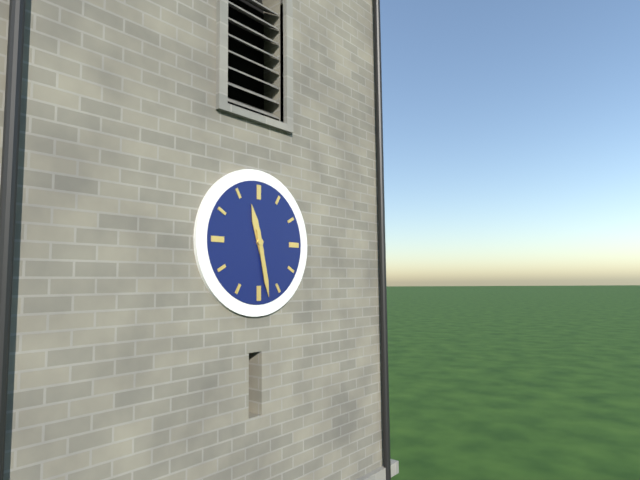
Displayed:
11.28
